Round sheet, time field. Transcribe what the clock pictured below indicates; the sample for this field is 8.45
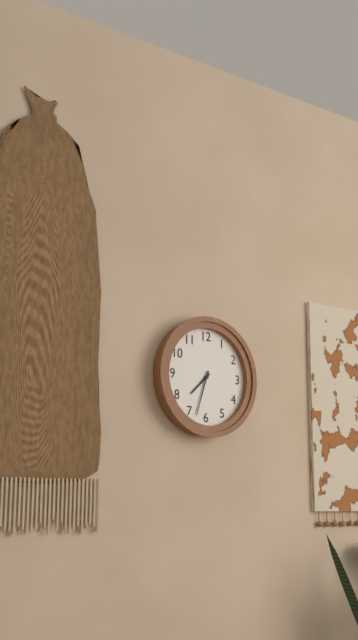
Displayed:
7.33
